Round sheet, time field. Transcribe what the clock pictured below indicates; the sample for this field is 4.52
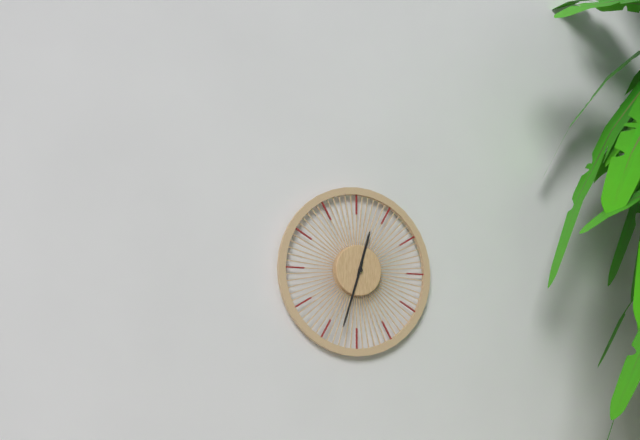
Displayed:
12.33
